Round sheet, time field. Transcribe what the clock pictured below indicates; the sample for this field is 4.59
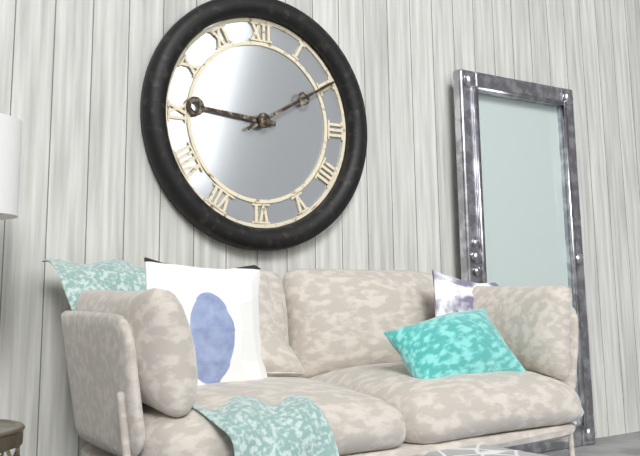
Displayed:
9.10
